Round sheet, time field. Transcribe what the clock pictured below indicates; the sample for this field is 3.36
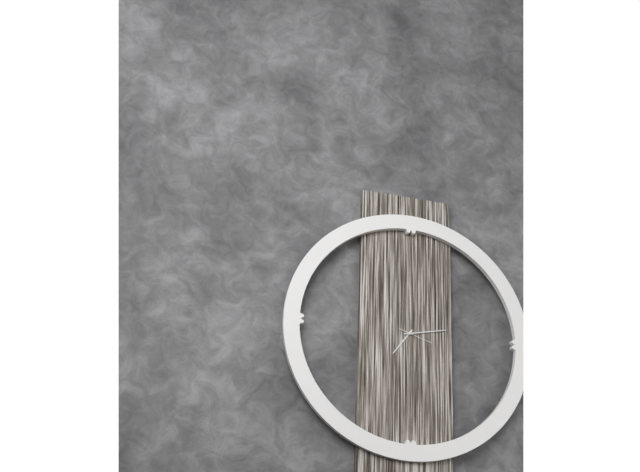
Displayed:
7.13
